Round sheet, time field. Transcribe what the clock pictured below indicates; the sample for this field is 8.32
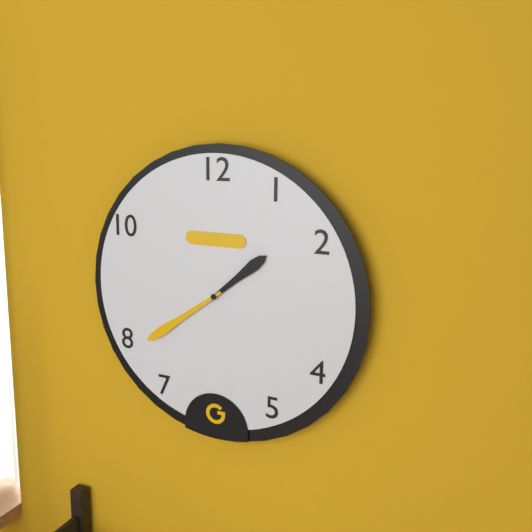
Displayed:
1.39
